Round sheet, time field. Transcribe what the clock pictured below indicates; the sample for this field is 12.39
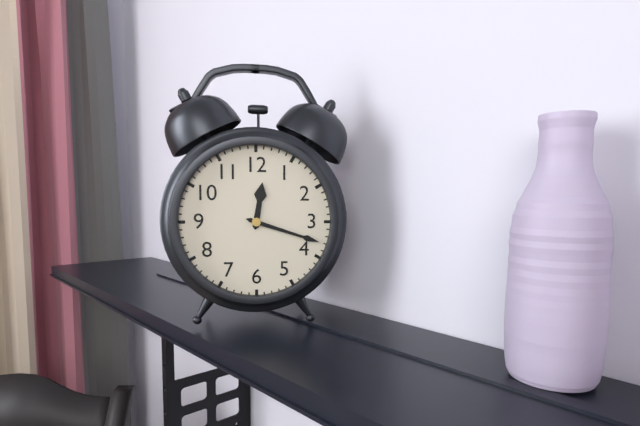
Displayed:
12.18
